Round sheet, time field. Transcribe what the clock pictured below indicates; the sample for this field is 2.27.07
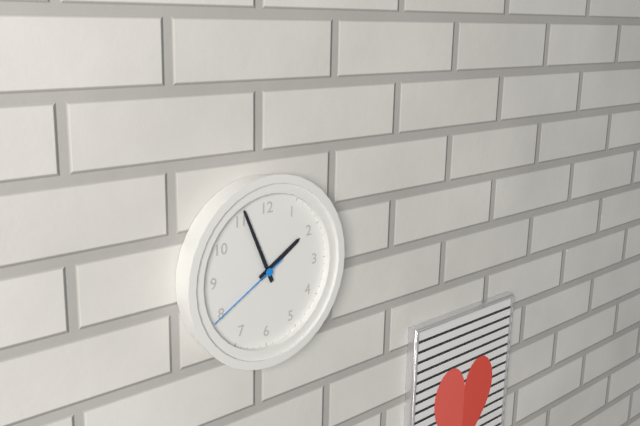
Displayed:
1.56.40
